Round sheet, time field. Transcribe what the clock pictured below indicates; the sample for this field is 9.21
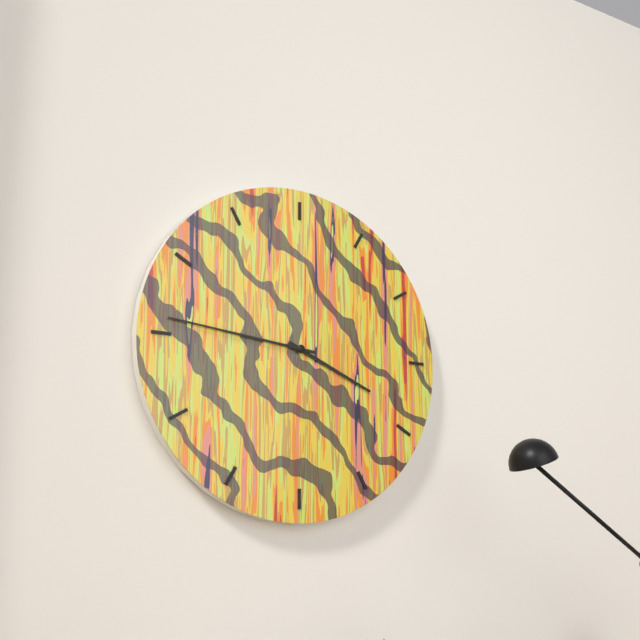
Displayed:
3.46
